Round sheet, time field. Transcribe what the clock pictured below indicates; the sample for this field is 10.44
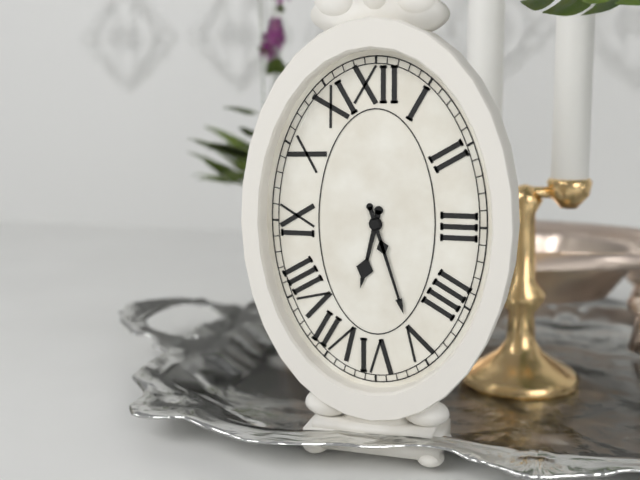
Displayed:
6.27
